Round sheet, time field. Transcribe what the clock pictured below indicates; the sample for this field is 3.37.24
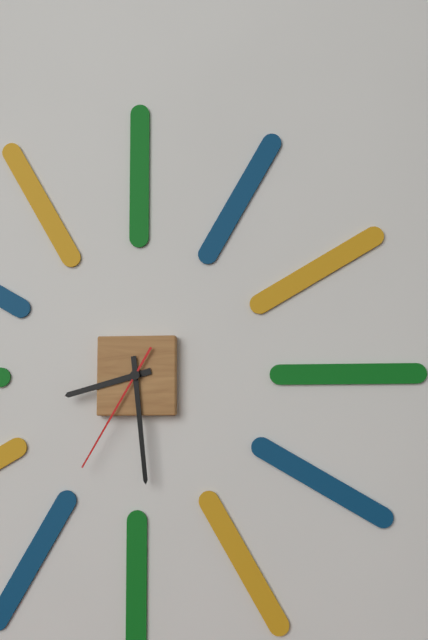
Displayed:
8.29.35
